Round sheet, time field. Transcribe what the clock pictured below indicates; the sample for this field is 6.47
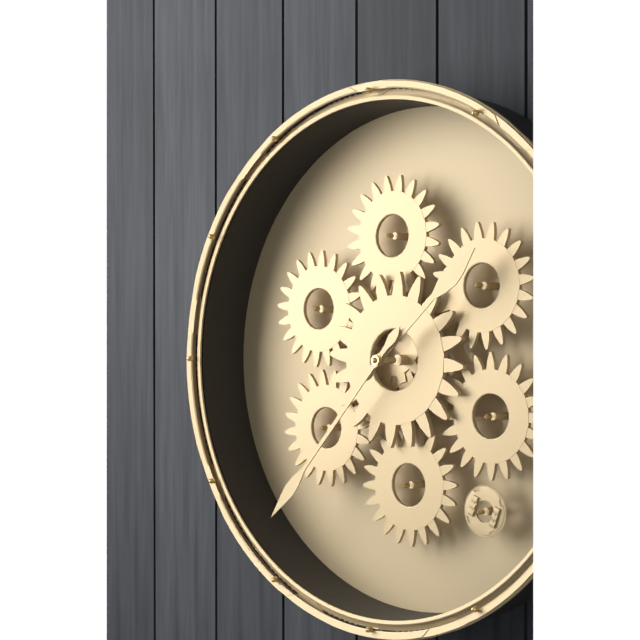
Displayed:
1.37
